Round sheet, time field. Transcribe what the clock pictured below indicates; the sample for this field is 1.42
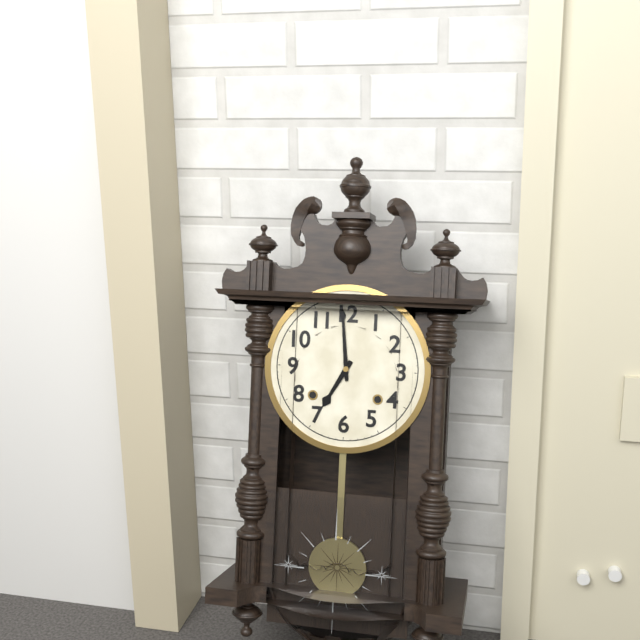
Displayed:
6.59
